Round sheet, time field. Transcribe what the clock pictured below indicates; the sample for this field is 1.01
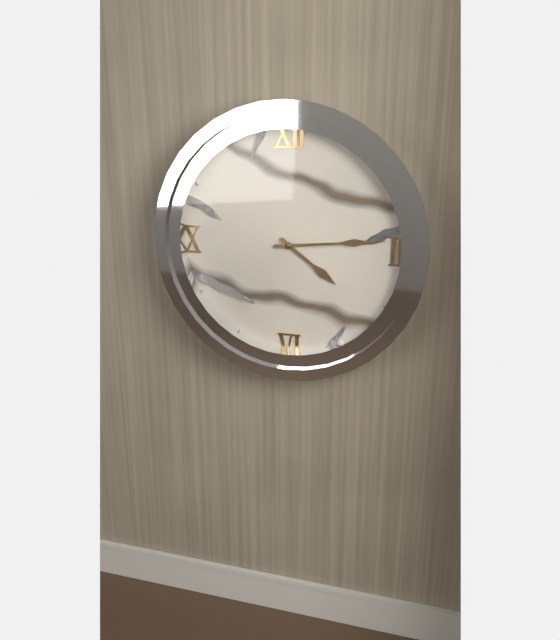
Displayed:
4.14
